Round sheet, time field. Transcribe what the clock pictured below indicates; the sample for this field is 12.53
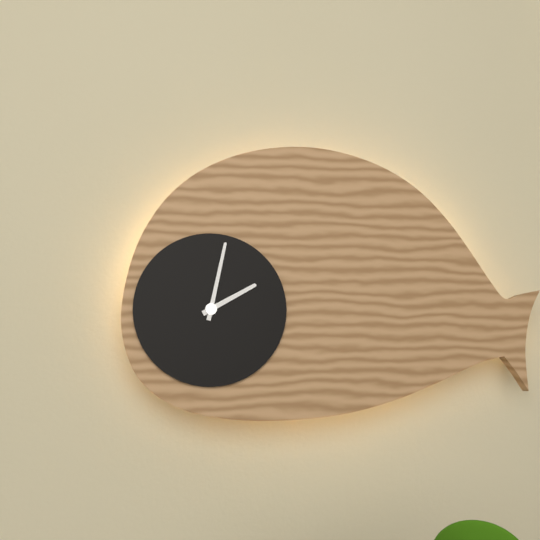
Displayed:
2.02
